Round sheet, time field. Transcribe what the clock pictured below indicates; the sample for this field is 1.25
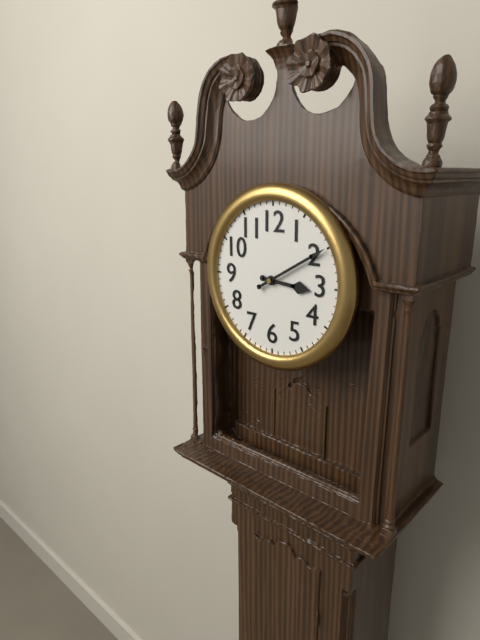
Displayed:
3.10
